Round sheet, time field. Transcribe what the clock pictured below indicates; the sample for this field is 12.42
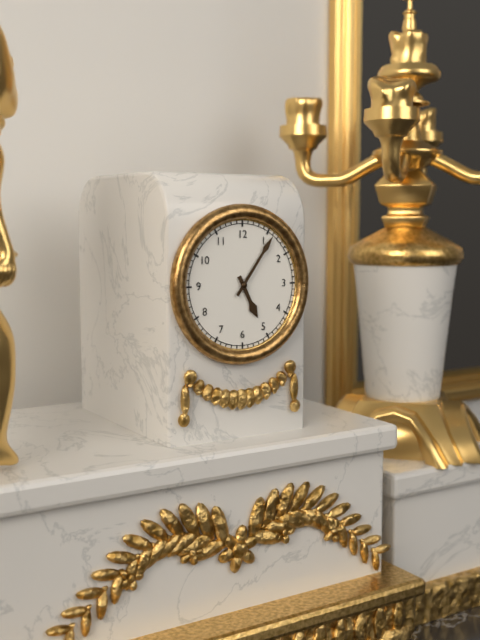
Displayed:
5.06
